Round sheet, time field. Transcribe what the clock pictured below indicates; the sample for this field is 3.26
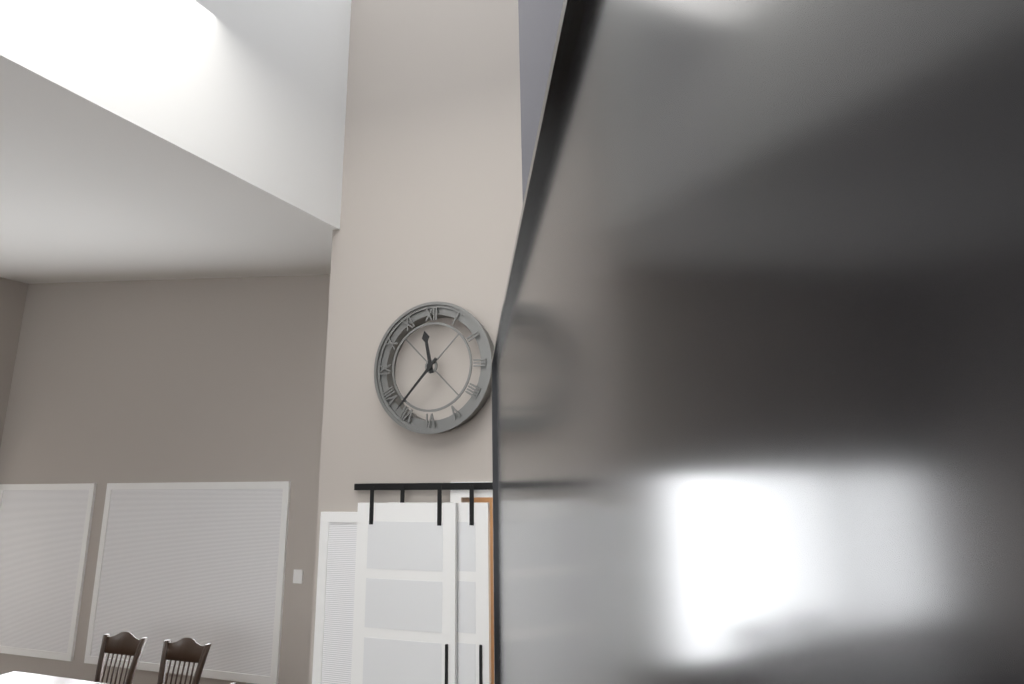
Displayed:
11.37
